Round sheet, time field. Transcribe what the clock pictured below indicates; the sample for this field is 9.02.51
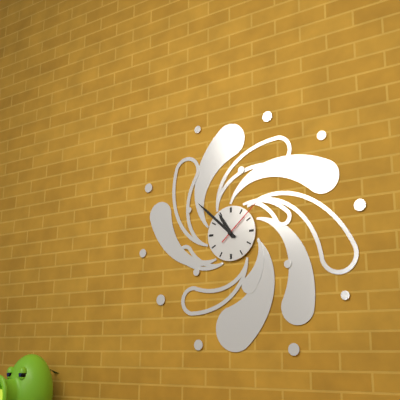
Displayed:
10.52.08
